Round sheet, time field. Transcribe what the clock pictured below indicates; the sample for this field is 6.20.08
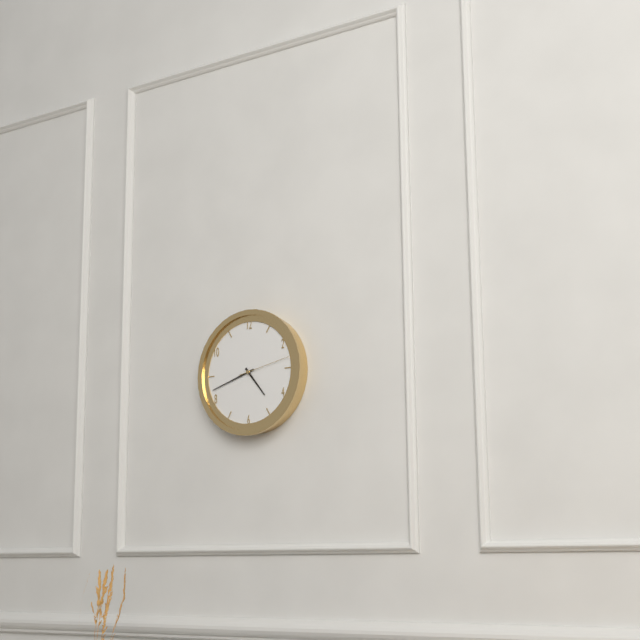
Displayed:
4.42.13
